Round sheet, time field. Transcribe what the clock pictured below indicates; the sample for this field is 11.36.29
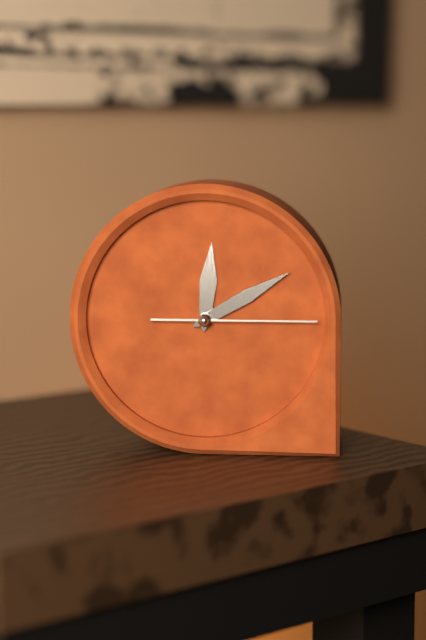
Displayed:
12.10.15
